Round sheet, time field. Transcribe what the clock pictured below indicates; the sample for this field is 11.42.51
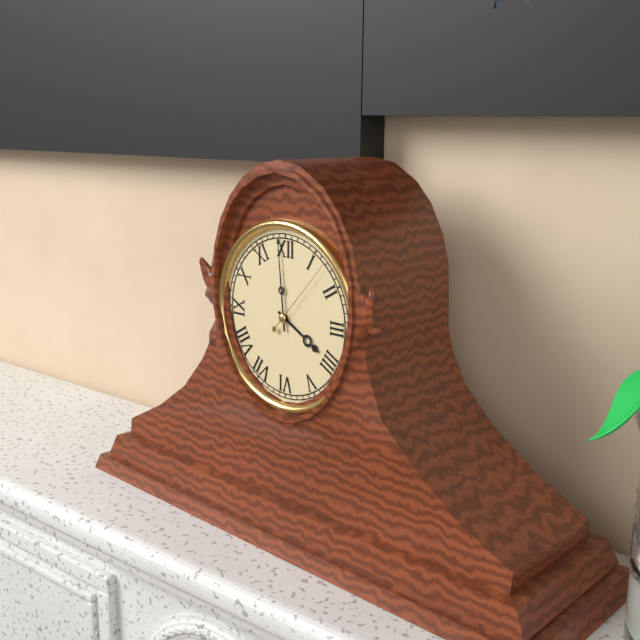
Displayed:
3.59.07
